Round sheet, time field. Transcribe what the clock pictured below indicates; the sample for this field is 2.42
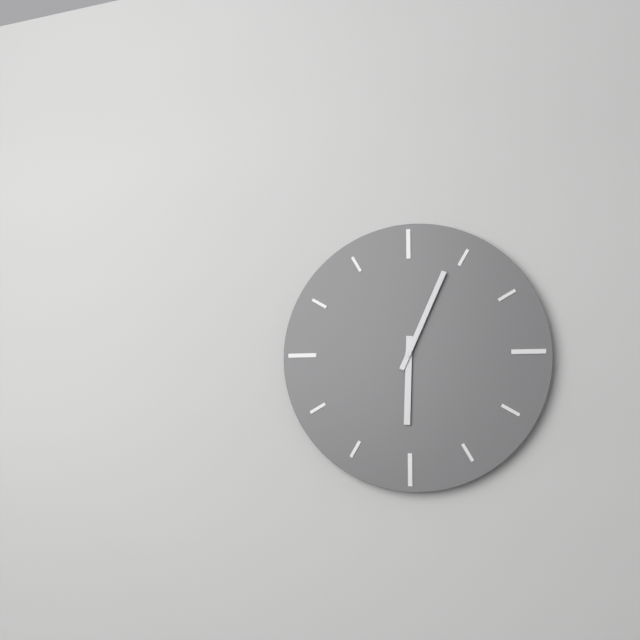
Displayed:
6.04
